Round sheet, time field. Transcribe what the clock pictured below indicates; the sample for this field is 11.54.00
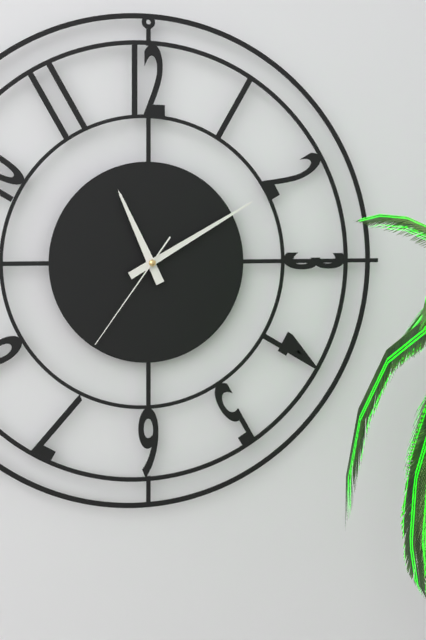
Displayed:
11.10.36
